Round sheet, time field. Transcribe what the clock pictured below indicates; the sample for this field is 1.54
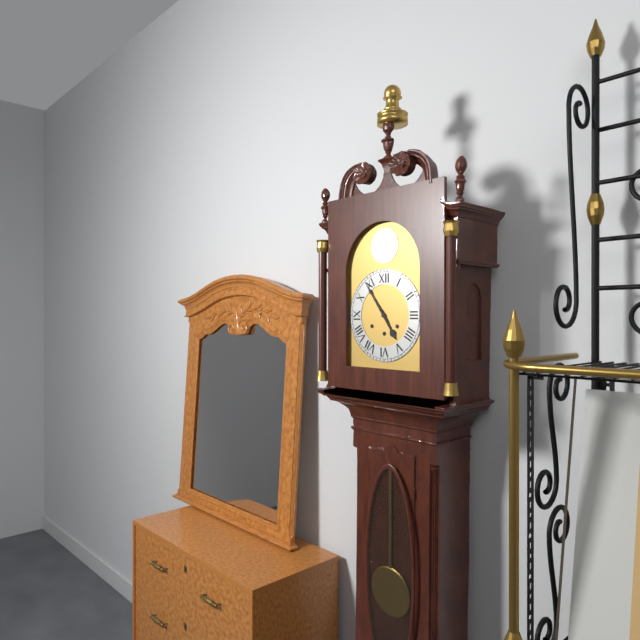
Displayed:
4.54
